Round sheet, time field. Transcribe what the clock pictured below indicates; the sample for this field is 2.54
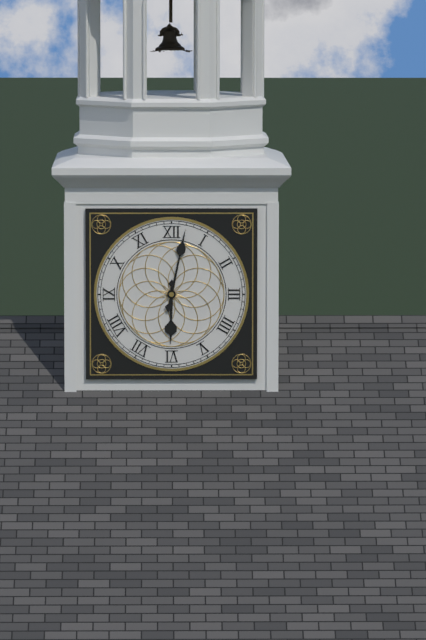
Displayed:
6.02
